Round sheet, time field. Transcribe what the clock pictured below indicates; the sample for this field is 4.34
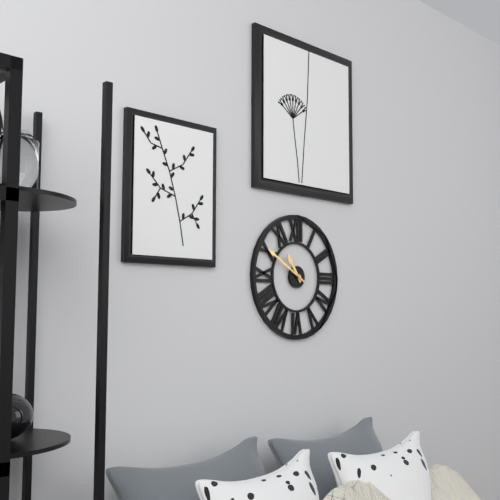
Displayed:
10.50
